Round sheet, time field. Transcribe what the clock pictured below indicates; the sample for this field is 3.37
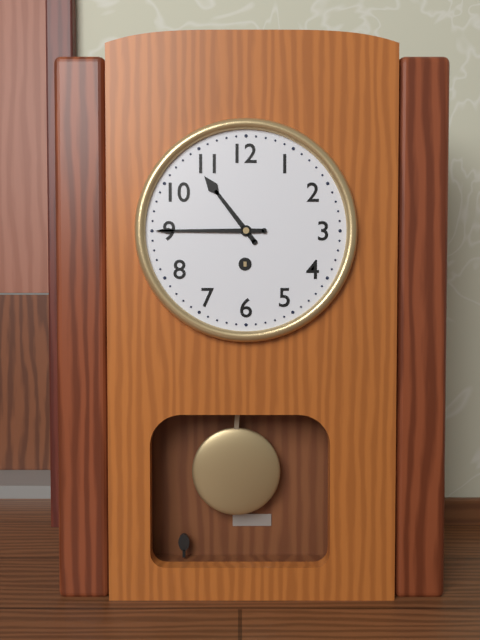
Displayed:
10.45
